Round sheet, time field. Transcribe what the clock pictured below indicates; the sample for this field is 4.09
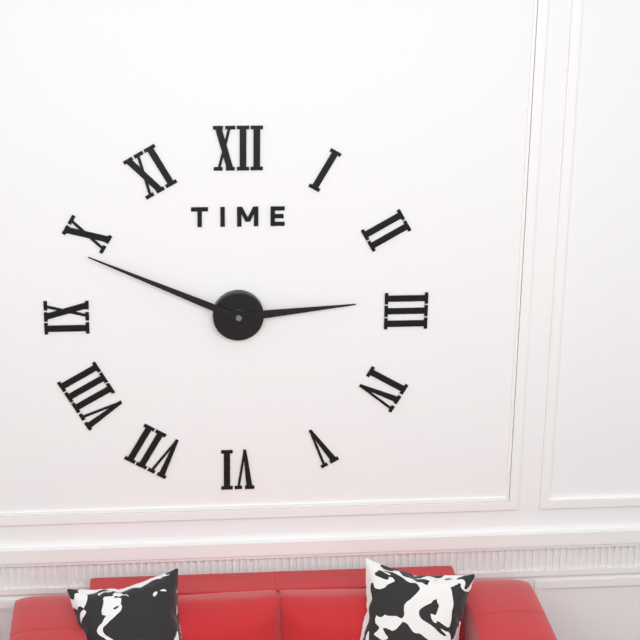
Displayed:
2.49
